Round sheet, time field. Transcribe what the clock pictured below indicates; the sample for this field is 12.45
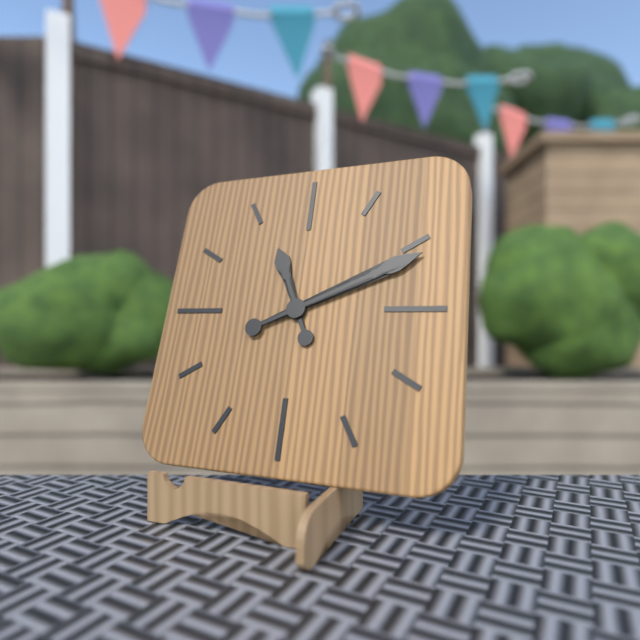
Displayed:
11.11
